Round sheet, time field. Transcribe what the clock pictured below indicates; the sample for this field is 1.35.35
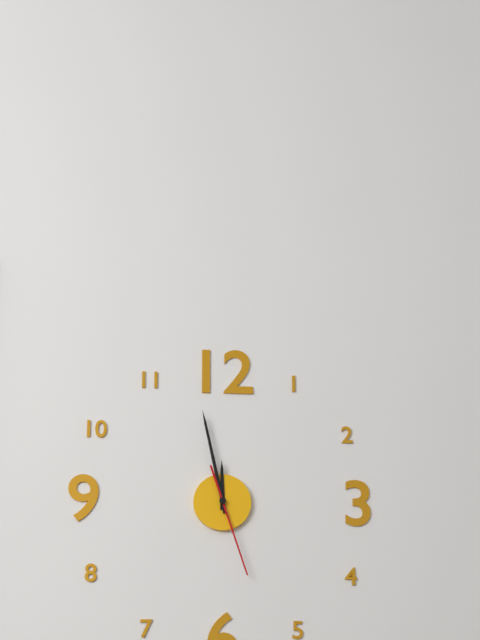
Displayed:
11.58.27
